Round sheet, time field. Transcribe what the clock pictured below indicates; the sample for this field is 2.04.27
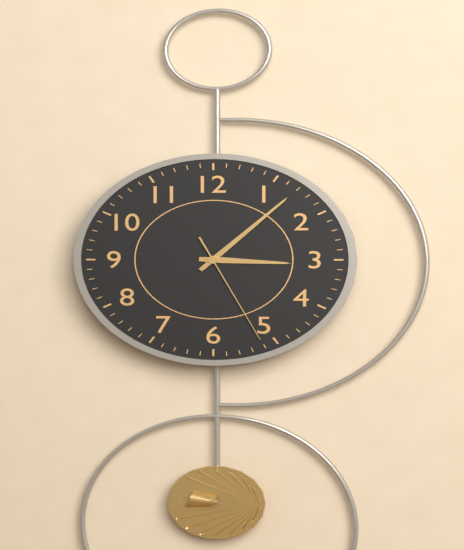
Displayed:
3.07.26
